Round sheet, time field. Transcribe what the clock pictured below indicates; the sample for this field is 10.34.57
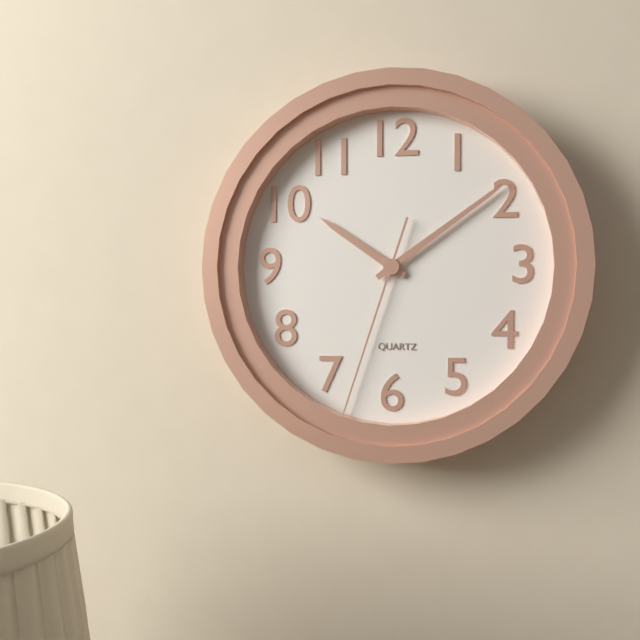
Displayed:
10.09.33
